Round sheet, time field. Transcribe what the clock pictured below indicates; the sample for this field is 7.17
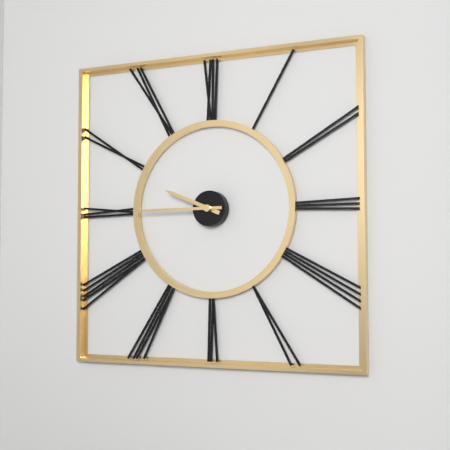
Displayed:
9.45
